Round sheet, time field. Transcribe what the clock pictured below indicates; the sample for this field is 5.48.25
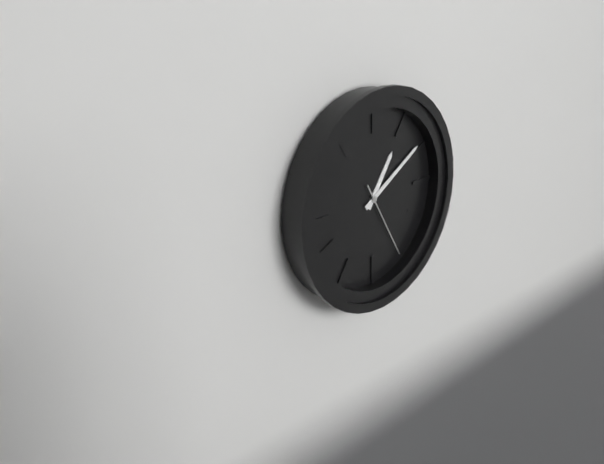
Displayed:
1.10.25
